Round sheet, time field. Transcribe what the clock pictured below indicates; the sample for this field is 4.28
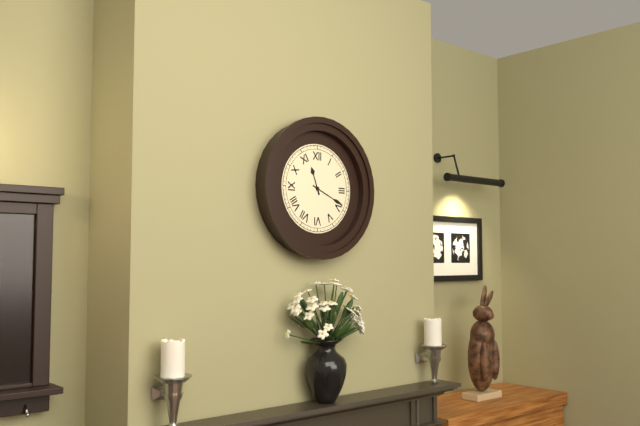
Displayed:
11.19
